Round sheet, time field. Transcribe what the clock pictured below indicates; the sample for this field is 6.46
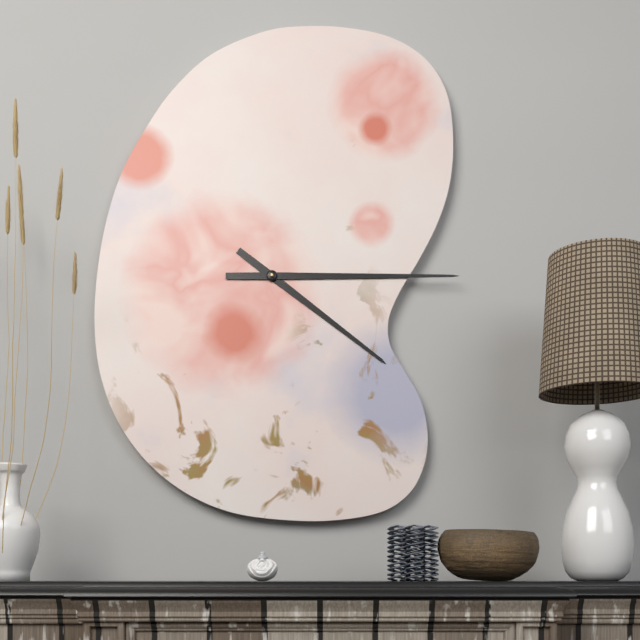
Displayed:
4.15
